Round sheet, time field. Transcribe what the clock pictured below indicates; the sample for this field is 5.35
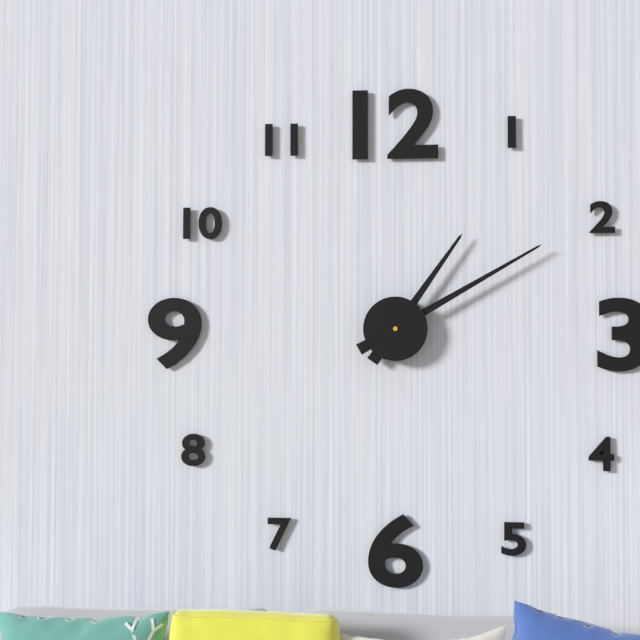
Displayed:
1.10
